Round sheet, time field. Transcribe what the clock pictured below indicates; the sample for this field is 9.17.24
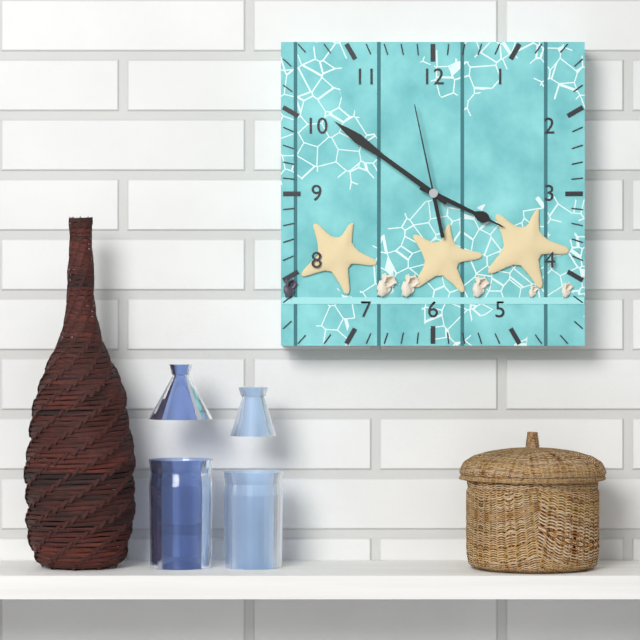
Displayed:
3.51.58
